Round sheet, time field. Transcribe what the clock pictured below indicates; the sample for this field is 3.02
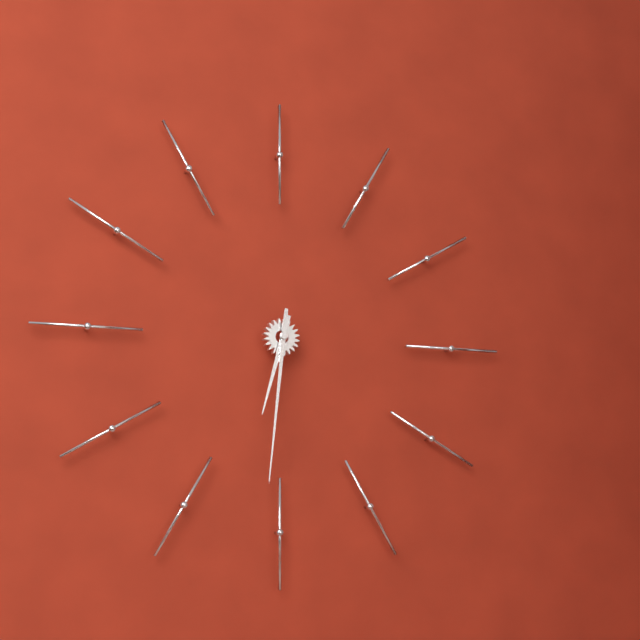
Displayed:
6.31
